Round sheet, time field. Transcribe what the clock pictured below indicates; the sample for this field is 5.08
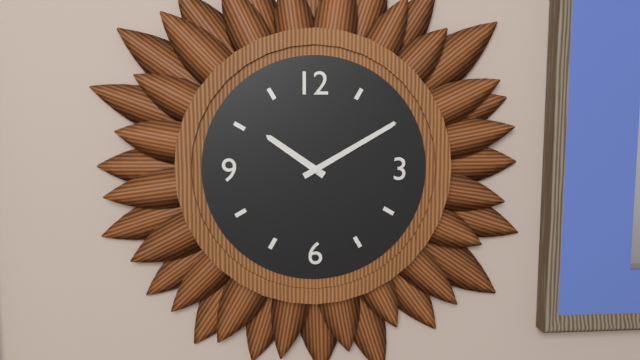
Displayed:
10.10
